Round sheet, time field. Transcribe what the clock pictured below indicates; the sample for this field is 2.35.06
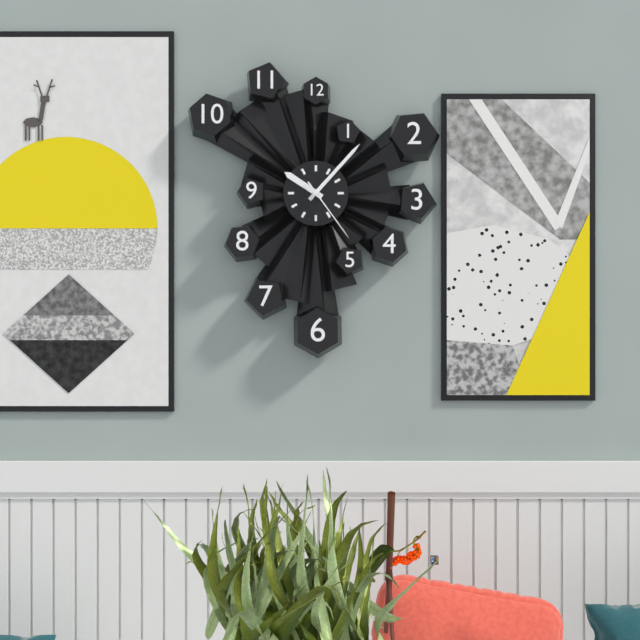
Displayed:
10.07.24
